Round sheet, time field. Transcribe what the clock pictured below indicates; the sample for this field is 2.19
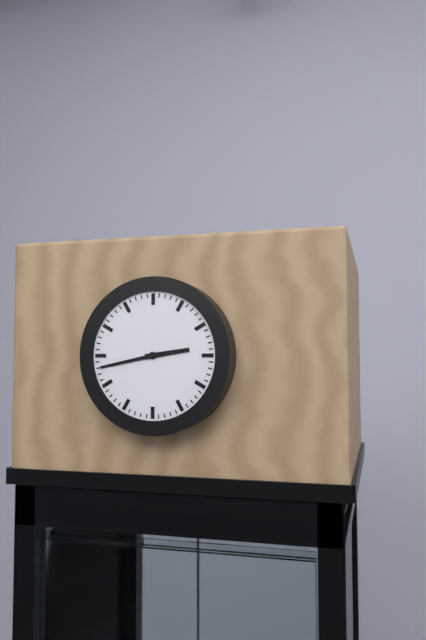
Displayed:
2.43
